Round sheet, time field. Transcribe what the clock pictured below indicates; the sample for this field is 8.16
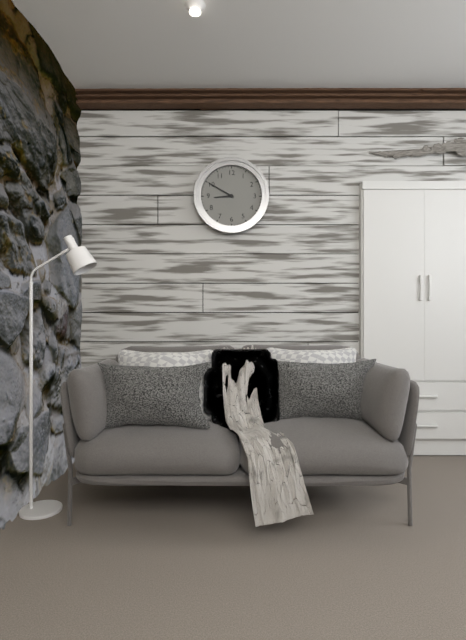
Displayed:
8.50
